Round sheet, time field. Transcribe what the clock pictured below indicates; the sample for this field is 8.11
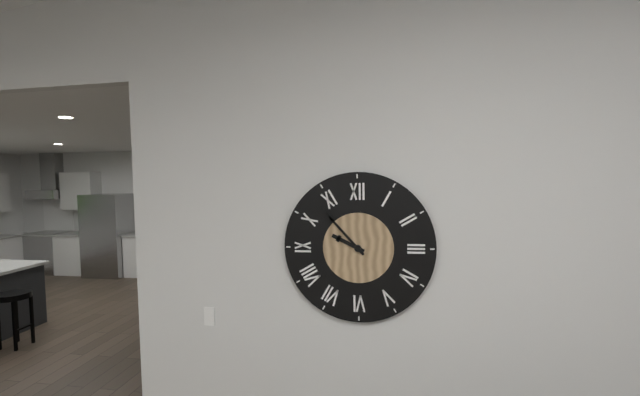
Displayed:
9.53
